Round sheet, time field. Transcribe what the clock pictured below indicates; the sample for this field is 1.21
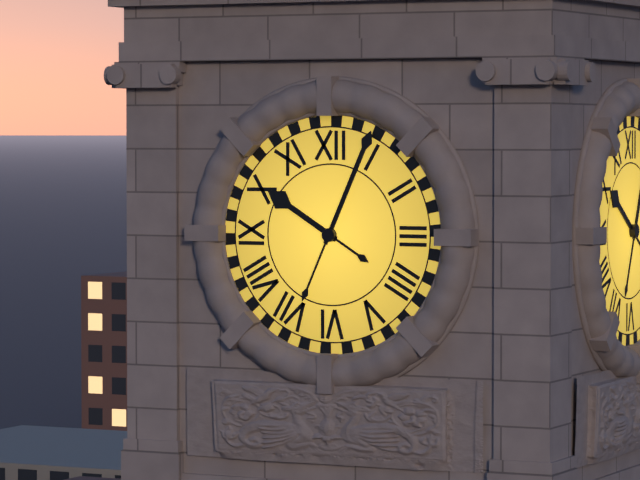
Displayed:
10.04
